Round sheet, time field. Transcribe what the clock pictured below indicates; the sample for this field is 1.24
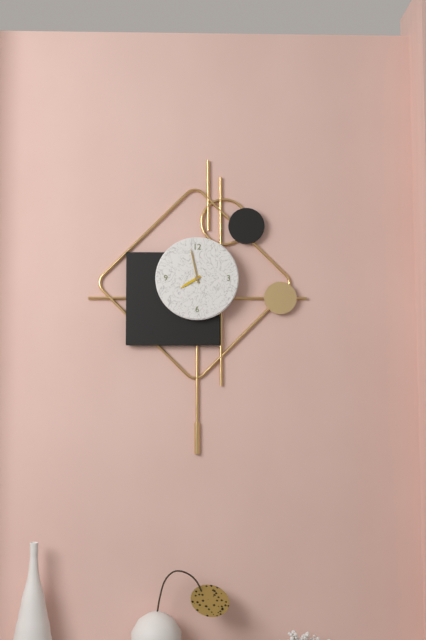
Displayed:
7.58
